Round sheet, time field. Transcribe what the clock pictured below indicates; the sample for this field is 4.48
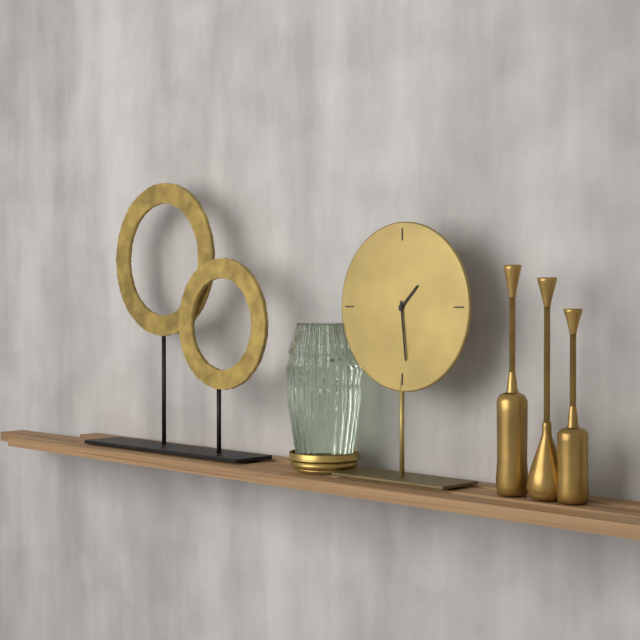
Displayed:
1.29
